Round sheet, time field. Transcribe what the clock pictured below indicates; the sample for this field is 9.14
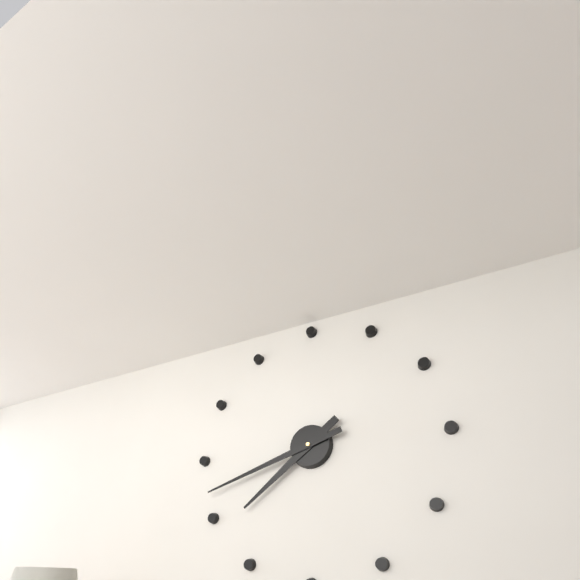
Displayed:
7.42
